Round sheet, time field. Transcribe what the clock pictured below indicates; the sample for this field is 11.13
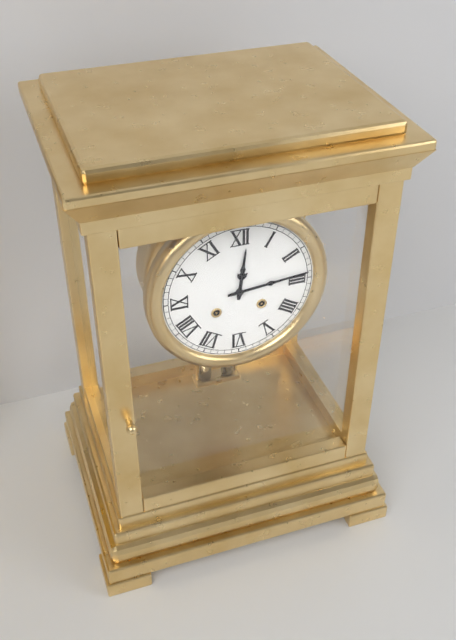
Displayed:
12.14
